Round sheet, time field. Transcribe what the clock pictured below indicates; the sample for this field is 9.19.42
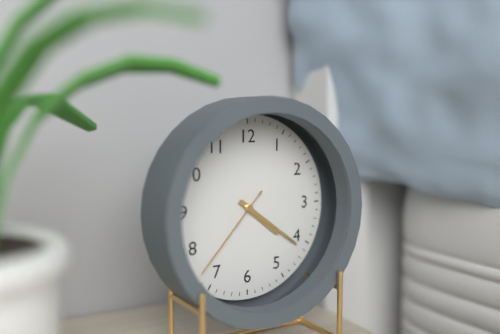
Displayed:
4.21.37
